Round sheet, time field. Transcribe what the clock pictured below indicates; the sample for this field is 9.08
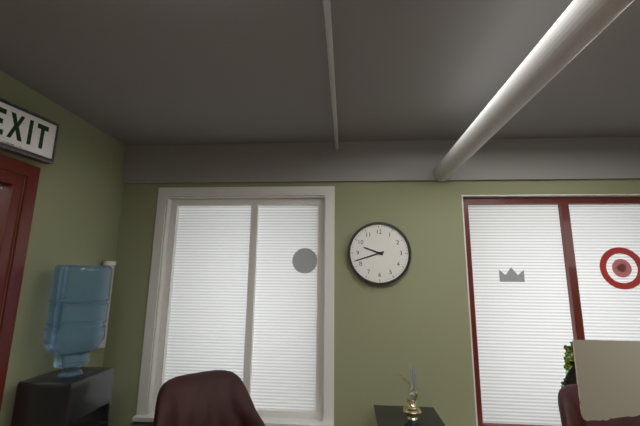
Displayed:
9.42
